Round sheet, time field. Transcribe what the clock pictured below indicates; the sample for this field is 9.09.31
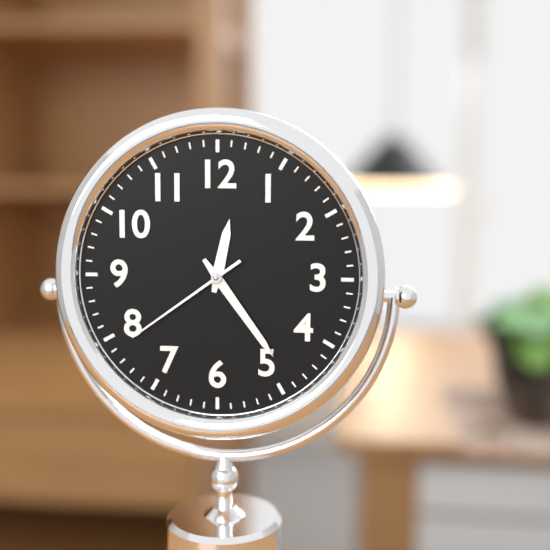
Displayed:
12.24.39
